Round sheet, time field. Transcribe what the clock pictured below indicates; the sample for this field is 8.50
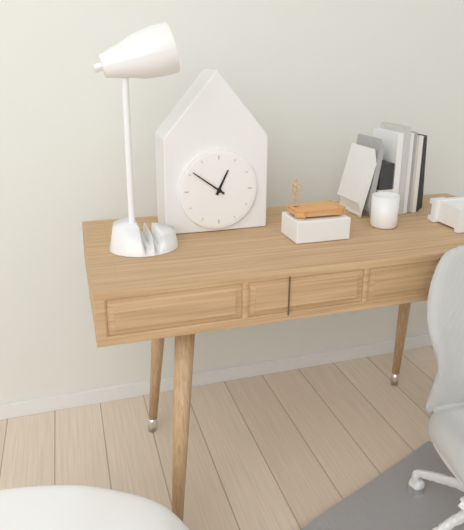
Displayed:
12.51
